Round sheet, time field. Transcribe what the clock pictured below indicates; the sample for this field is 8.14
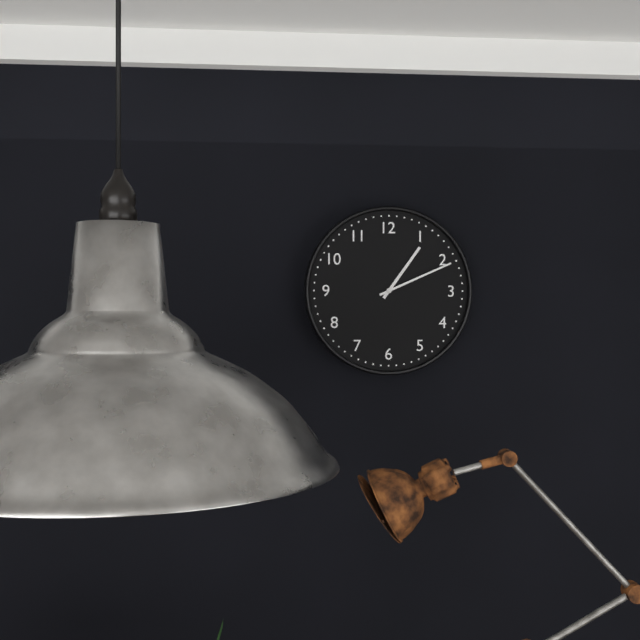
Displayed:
1.11
